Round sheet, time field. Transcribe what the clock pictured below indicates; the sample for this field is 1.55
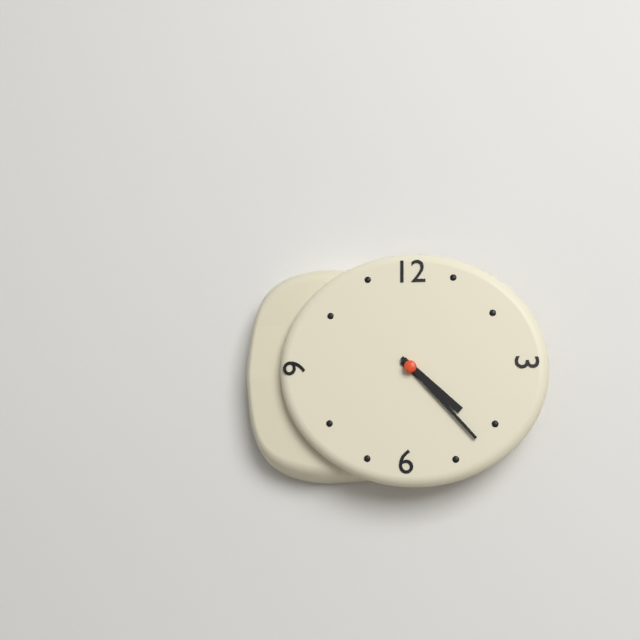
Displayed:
4.23
